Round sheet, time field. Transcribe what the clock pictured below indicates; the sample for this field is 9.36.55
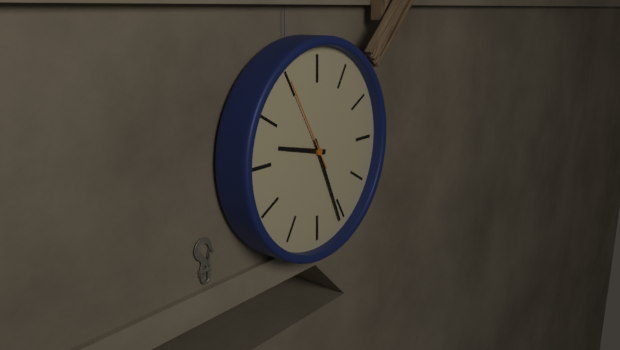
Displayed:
9.26.55
